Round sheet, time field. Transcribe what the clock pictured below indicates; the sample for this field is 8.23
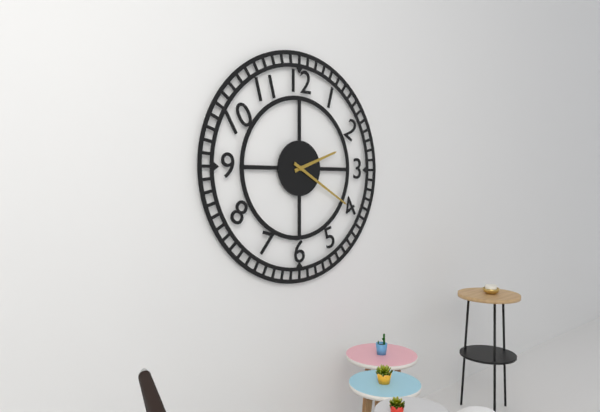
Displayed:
2.20
